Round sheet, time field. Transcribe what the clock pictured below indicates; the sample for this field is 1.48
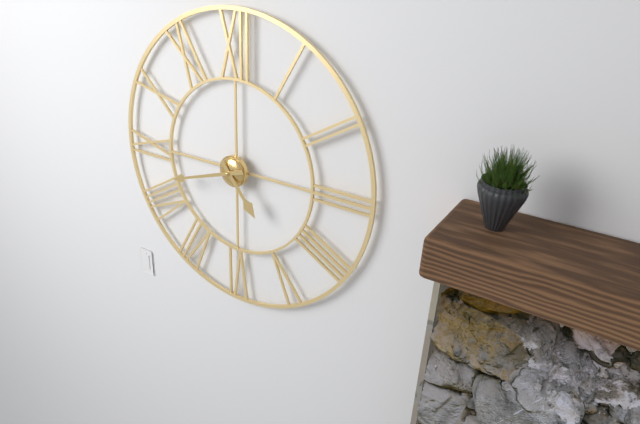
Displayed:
4.42
